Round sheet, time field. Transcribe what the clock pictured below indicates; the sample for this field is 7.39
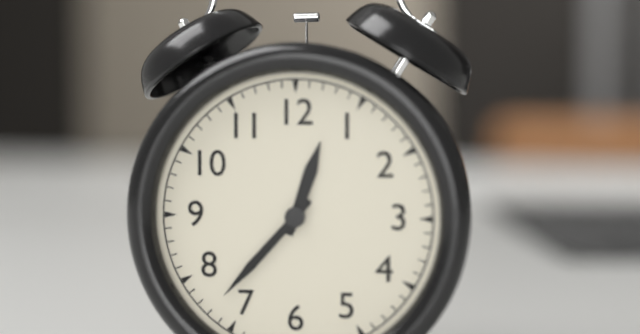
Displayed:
12.37
